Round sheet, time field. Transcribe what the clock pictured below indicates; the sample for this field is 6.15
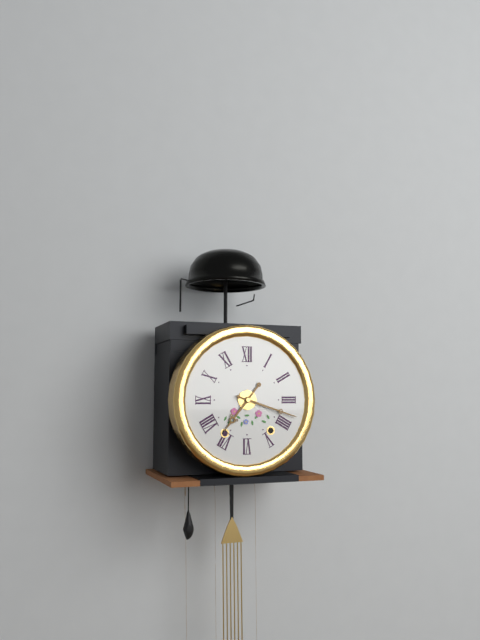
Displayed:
7.18
